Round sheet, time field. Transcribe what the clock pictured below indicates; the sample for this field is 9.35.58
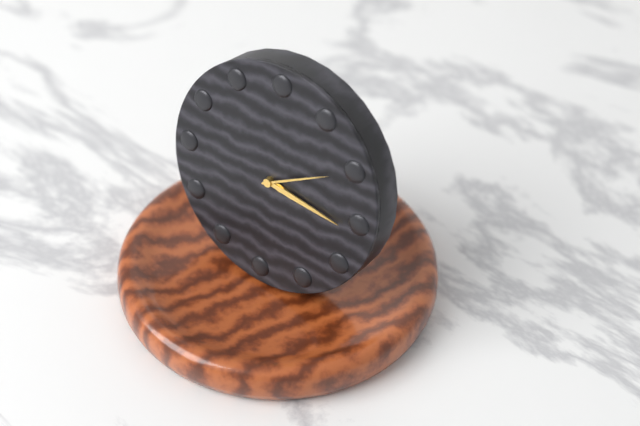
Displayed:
3.16.10
